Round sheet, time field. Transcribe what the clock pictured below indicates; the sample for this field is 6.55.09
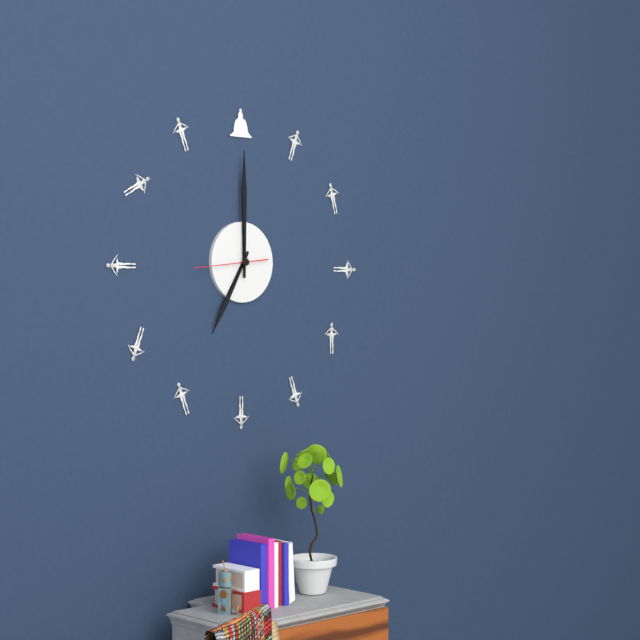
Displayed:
7.00.44
